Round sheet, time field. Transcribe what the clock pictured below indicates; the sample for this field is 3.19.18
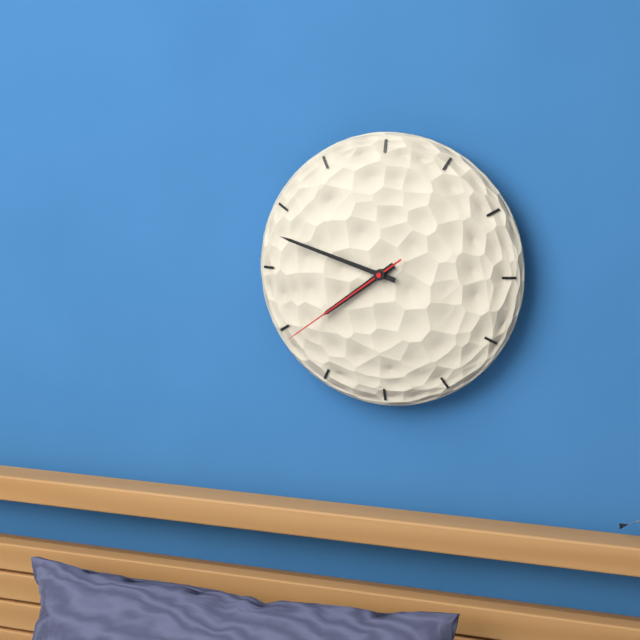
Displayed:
7.48.39
